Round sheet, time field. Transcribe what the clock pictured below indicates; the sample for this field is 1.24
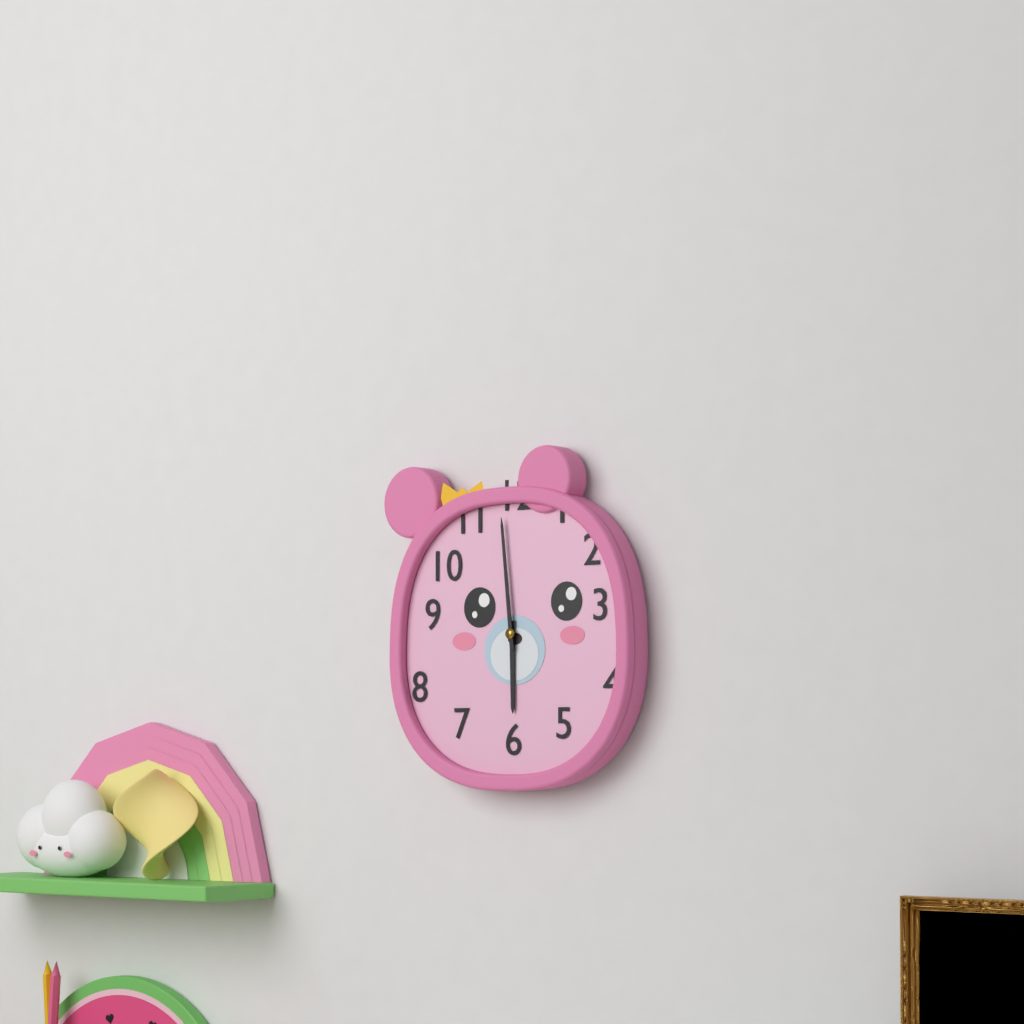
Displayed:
5.59
